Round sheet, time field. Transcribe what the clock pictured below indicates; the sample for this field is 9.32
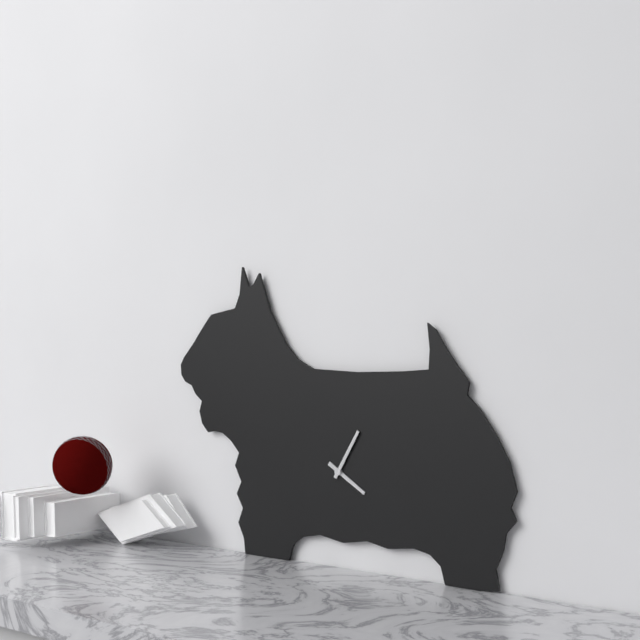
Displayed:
4.05
